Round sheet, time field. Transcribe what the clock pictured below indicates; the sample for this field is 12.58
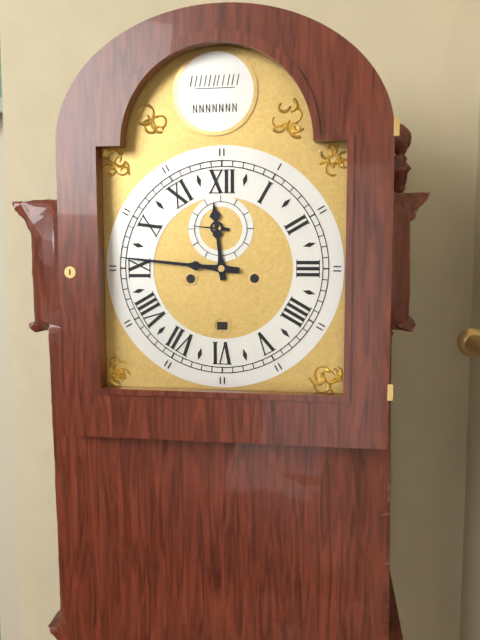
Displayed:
11.46
